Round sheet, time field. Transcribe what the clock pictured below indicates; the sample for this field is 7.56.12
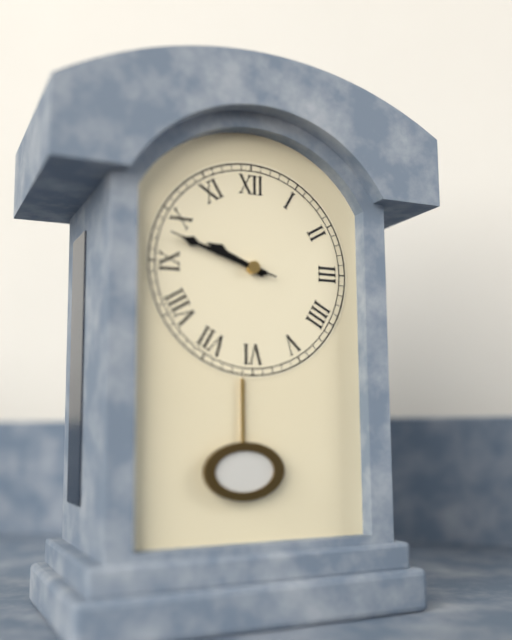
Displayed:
9.48.48
